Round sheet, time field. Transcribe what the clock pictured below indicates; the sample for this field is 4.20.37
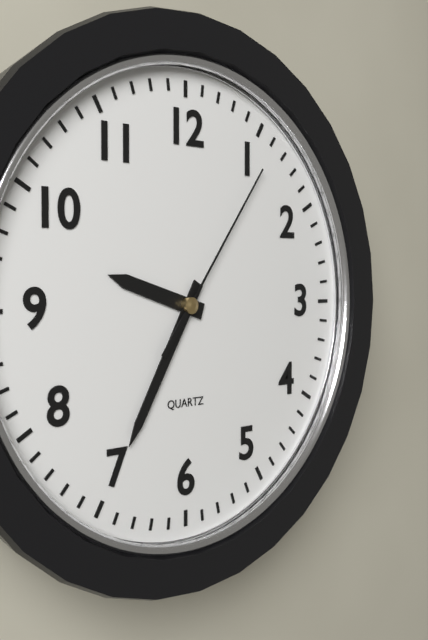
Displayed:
9.35.06
